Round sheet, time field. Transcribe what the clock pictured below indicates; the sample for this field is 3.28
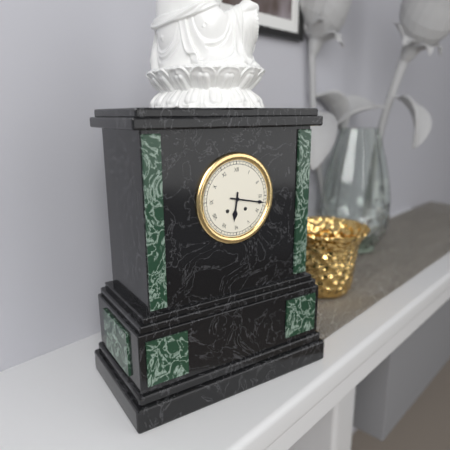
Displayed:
6.17
